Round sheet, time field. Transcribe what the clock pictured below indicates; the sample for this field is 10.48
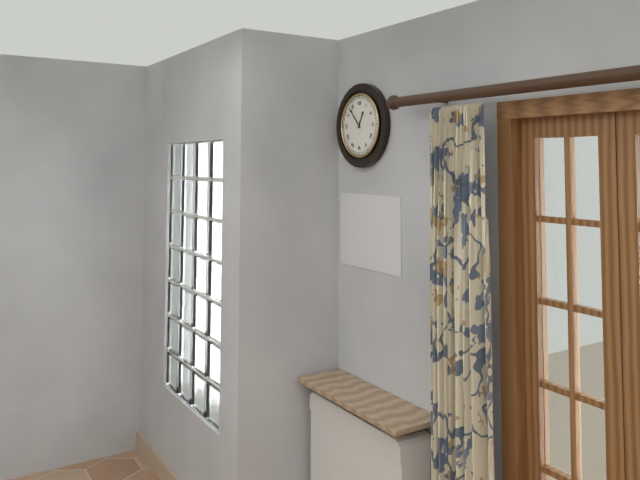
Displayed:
12.53
